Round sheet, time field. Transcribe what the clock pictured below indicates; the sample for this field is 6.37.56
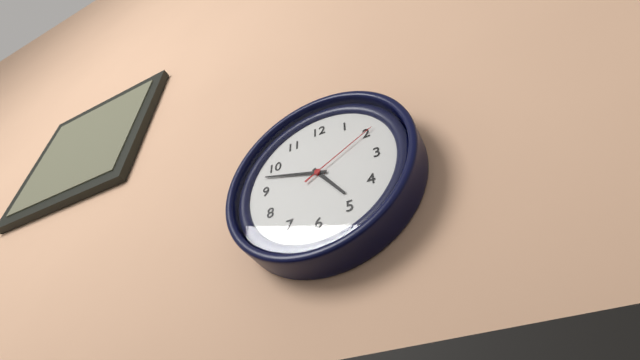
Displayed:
4.48.10
